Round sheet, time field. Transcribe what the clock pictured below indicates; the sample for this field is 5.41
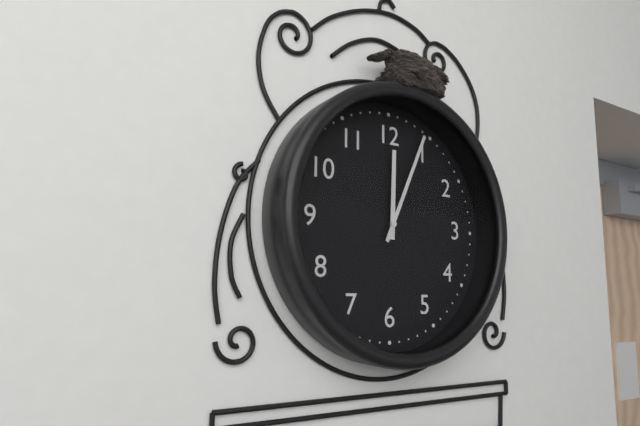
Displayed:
12.04
